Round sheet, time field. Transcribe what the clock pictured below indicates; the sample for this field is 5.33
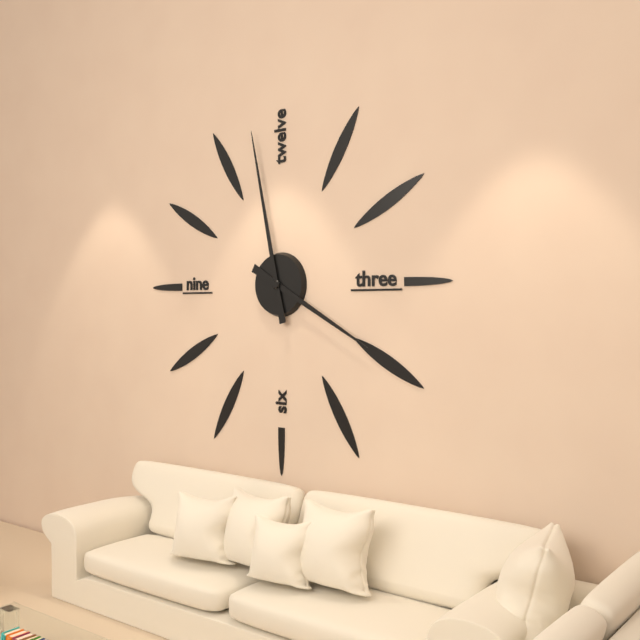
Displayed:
3.58
